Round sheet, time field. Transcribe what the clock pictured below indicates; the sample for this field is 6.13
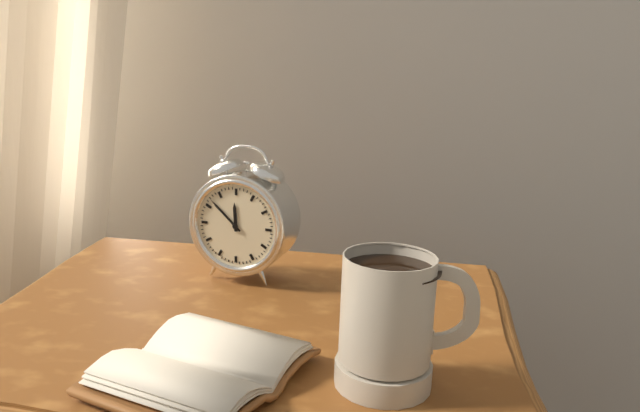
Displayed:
11.52
